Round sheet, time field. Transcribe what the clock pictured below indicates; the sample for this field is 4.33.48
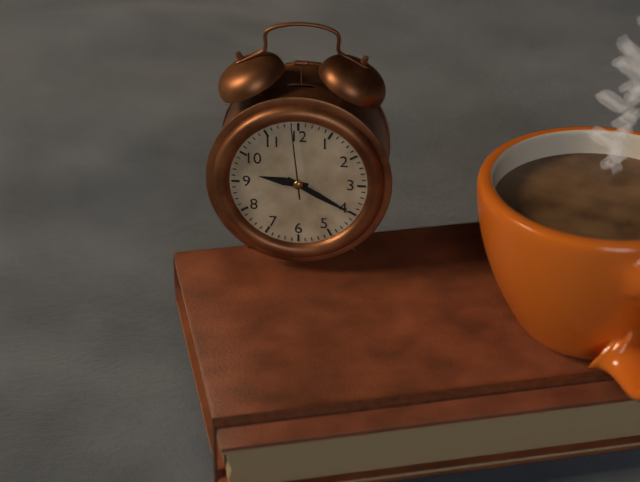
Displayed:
9.20.59
